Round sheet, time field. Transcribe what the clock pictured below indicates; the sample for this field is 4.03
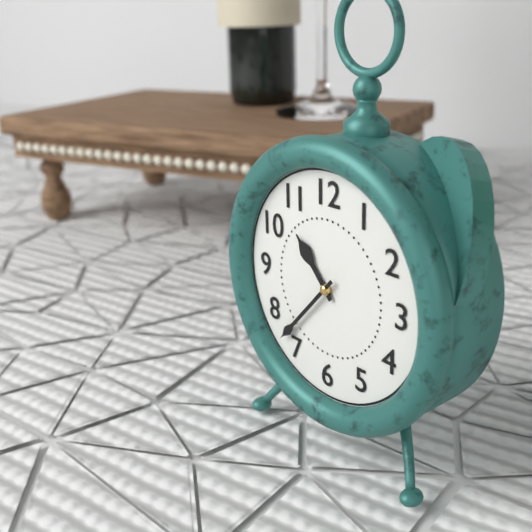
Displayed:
10.37
